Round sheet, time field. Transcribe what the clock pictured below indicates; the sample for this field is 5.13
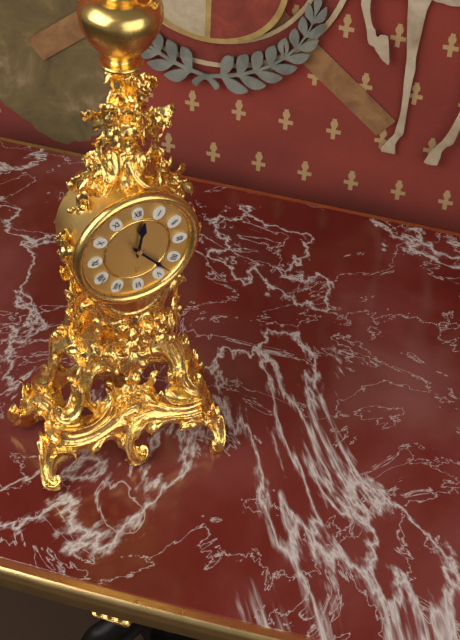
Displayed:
12.23
